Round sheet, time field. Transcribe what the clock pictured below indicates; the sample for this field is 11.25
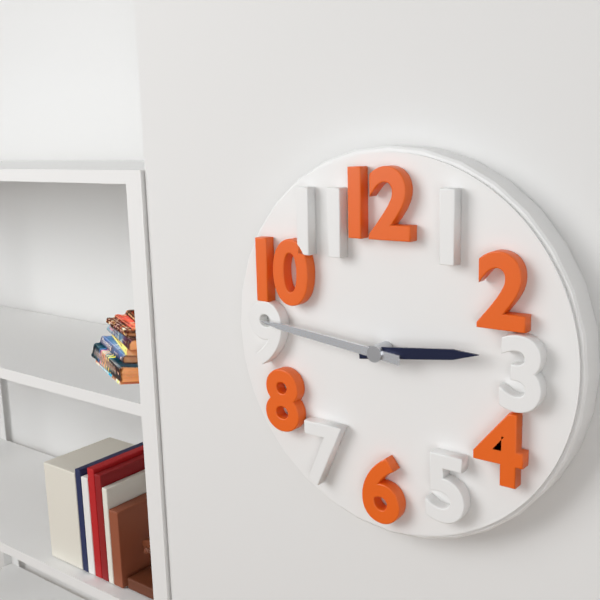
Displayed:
2.46
